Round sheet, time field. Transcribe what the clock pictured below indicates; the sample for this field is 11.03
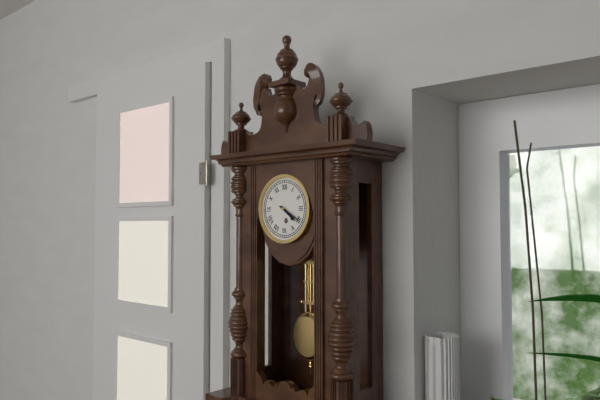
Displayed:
4.20
